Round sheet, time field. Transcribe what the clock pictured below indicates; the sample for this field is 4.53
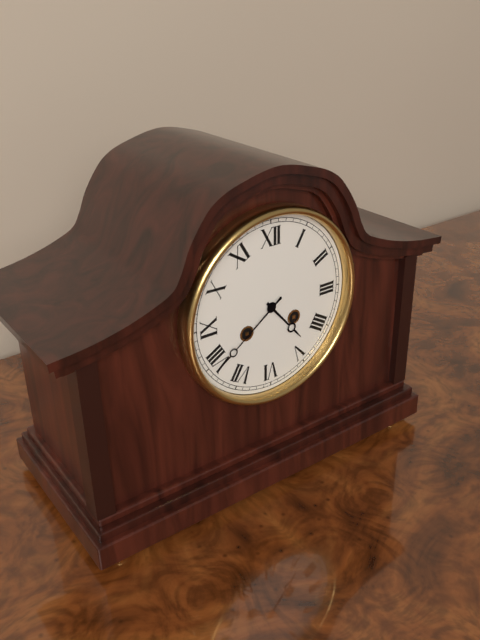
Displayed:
4.39
